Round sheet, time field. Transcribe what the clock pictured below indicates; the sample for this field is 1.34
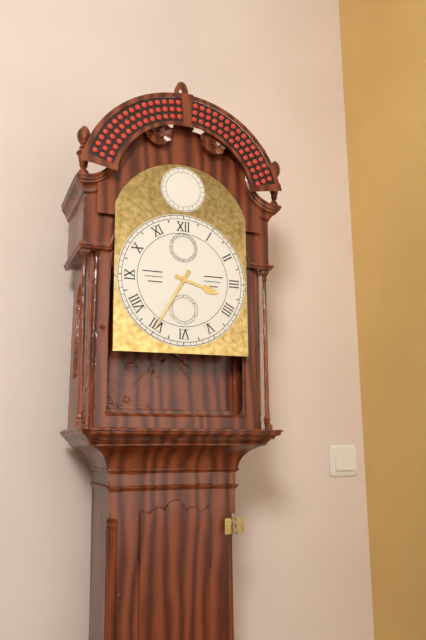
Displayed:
3.35
